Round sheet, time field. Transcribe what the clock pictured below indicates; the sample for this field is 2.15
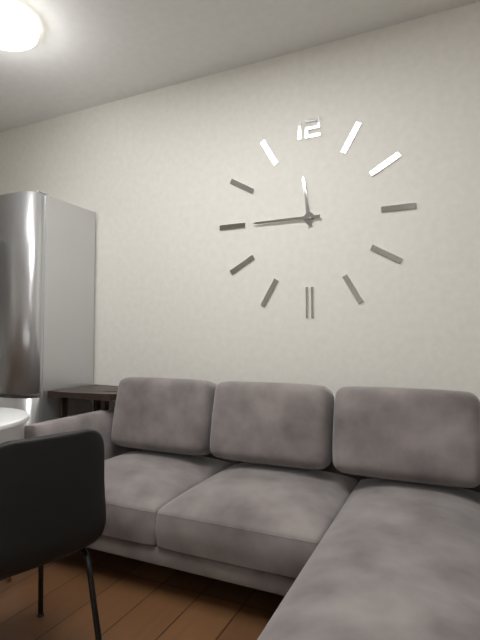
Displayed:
11.45
